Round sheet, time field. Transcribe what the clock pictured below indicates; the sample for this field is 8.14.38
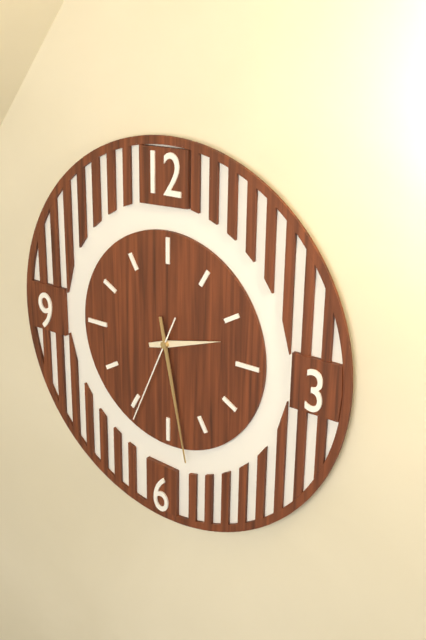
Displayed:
2.28.34
